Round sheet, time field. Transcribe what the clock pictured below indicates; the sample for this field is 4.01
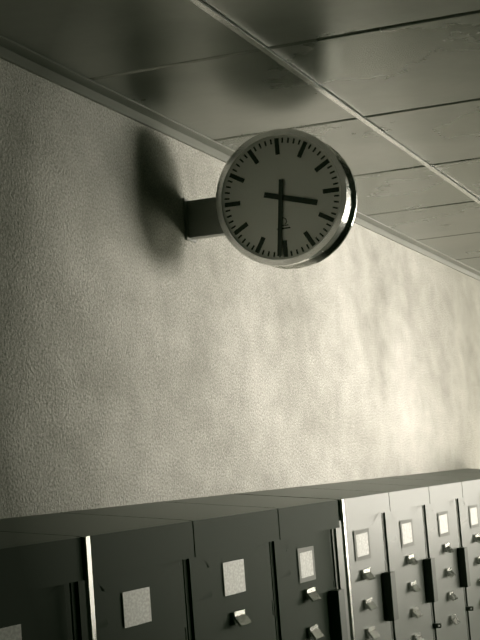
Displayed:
3.31
